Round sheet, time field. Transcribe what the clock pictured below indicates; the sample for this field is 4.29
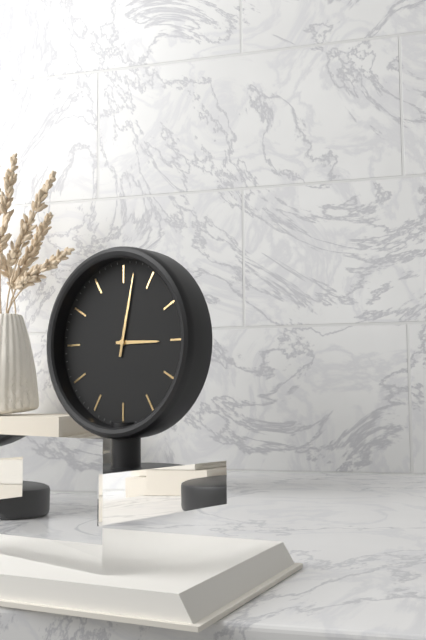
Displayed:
3.02
